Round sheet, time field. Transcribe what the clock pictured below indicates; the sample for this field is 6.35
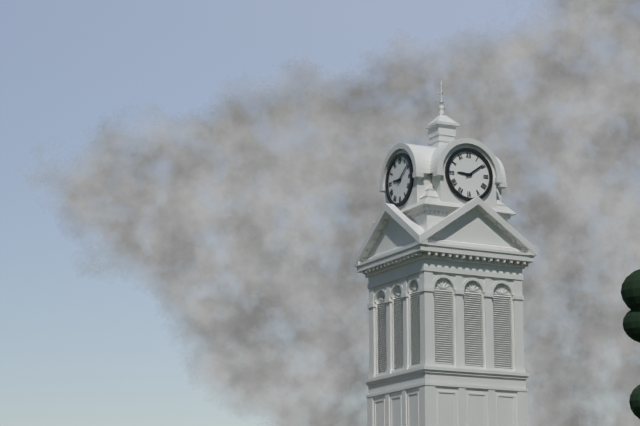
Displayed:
9.09
